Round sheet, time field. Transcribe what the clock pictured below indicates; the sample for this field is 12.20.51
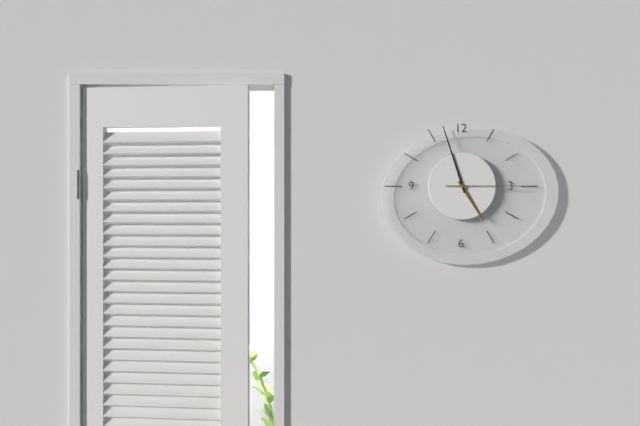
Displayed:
4.57.15
